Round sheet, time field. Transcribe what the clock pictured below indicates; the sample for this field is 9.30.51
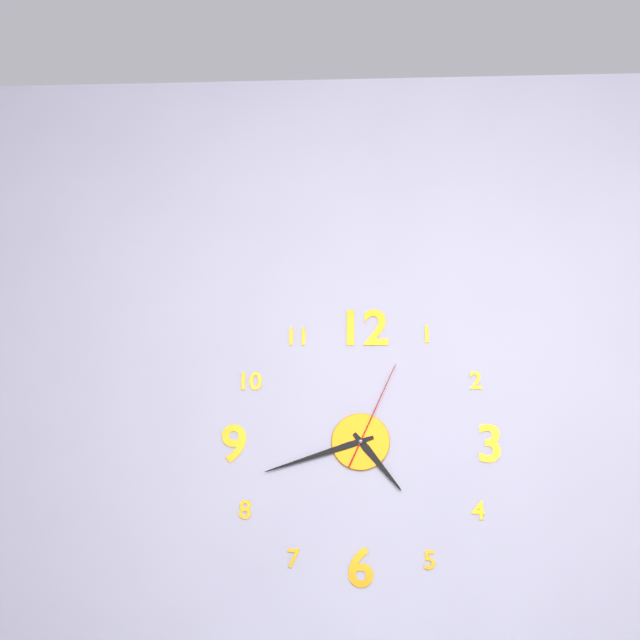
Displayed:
4.42.04
